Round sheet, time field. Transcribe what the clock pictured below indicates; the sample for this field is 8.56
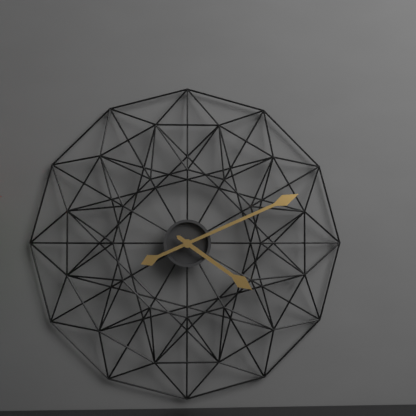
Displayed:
4.11
